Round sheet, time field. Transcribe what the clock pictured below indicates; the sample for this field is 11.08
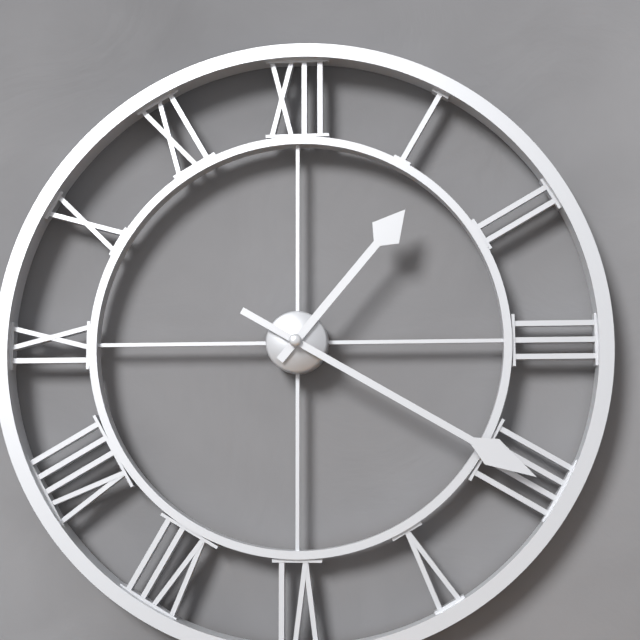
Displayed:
1.20
